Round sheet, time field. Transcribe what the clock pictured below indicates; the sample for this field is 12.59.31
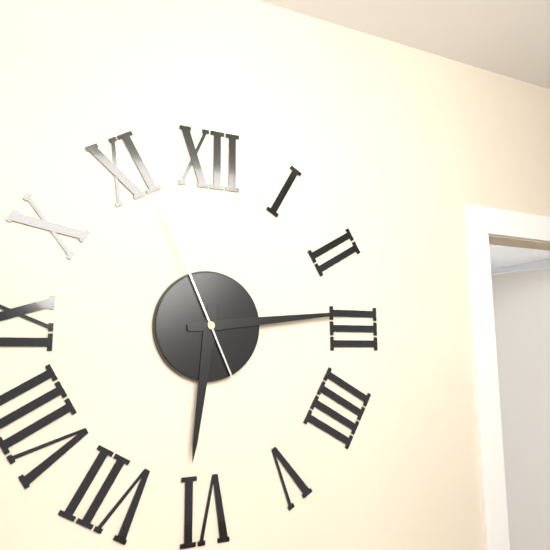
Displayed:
6.14.56
